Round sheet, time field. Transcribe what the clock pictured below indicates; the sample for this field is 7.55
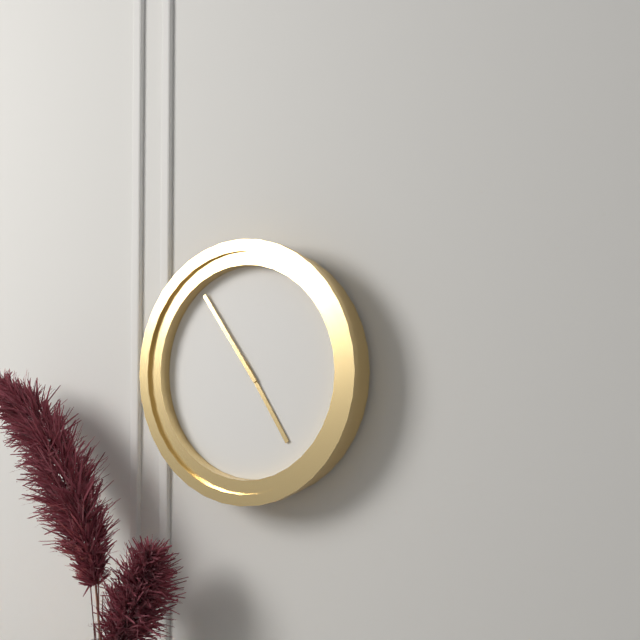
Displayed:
4.54
